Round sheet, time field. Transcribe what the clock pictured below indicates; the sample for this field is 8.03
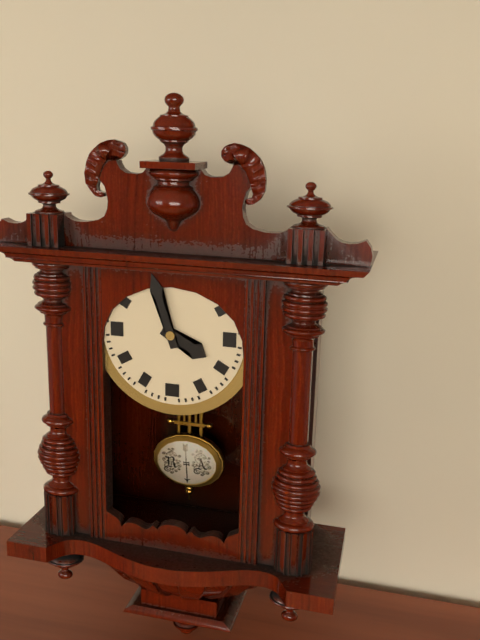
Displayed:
3.57
